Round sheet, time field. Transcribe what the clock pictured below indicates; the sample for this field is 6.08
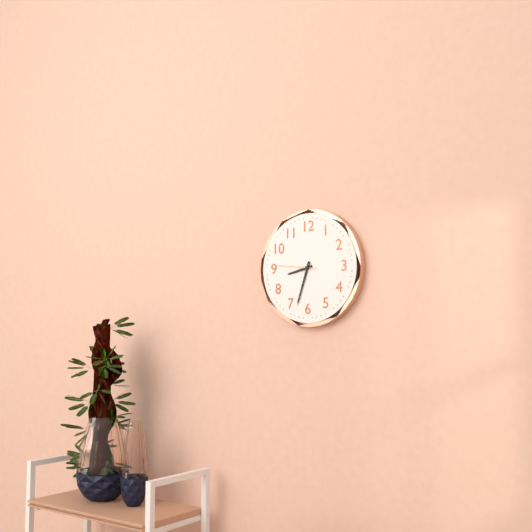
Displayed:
8.33
